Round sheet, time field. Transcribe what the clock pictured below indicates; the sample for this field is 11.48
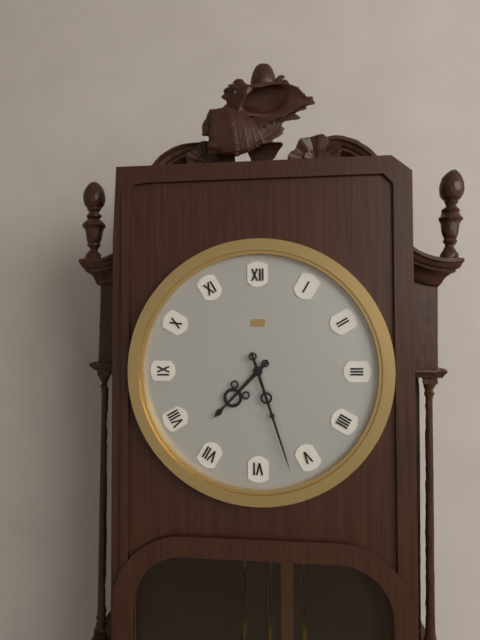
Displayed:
7.27
